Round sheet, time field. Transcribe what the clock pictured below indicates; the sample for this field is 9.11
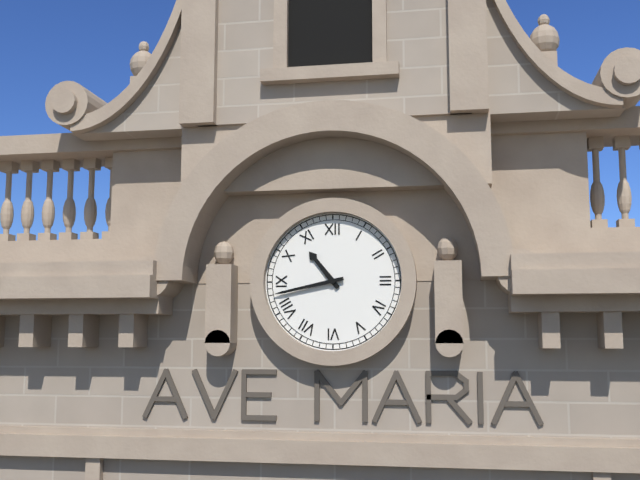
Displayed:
10.43
